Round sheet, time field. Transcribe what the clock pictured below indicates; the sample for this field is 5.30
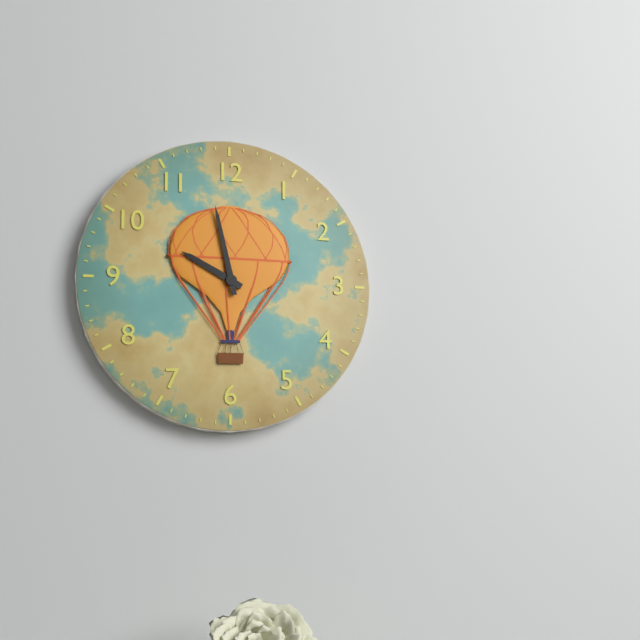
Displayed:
9.58
